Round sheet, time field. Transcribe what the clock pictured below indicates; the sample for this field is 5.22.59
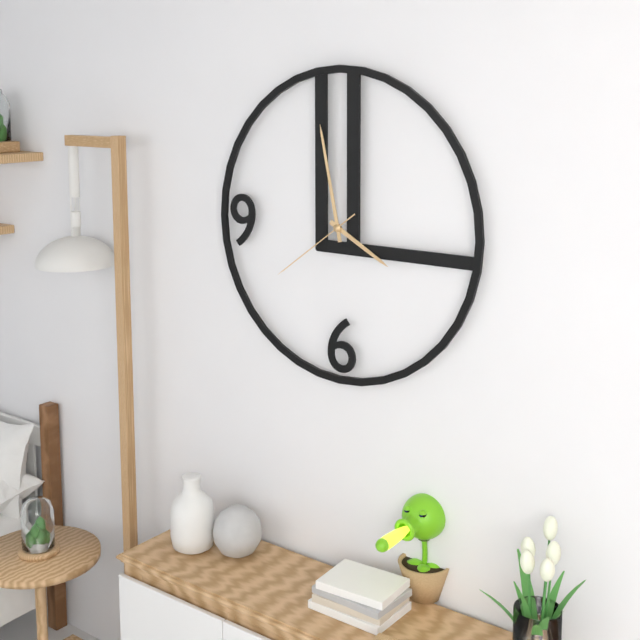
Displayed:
3.58.39
